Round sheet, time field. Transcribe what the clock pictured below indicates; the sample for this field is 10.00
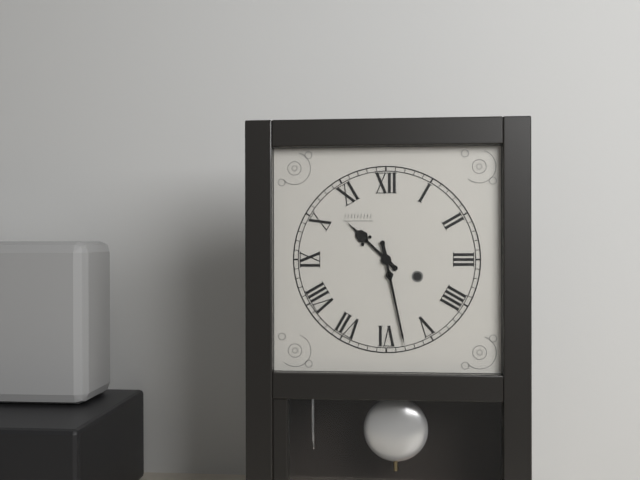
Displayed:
10.28
